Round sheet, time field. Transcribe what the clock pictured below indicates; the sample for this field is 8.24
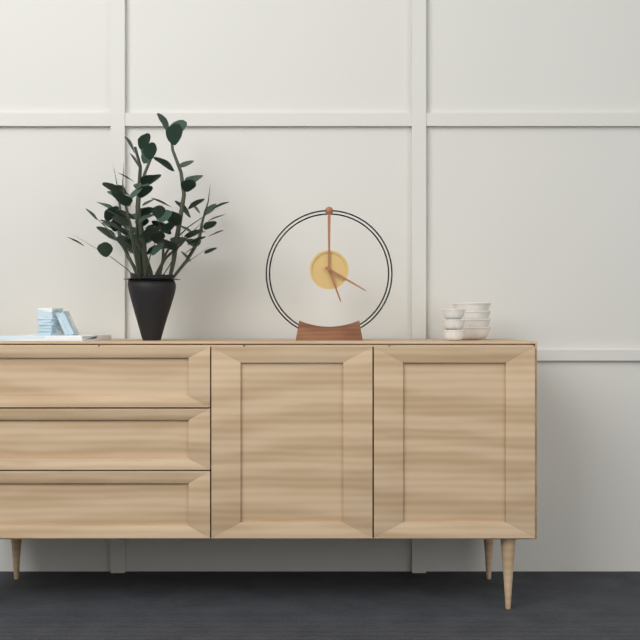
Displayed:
5.20
